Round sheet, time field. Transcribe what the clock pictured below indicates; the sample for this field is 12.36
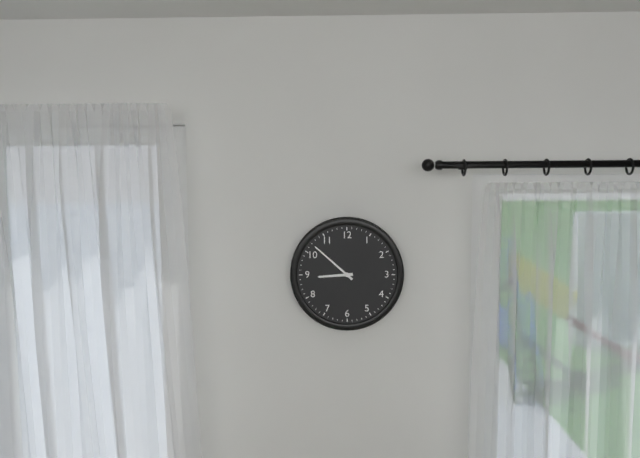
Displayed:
8.52
